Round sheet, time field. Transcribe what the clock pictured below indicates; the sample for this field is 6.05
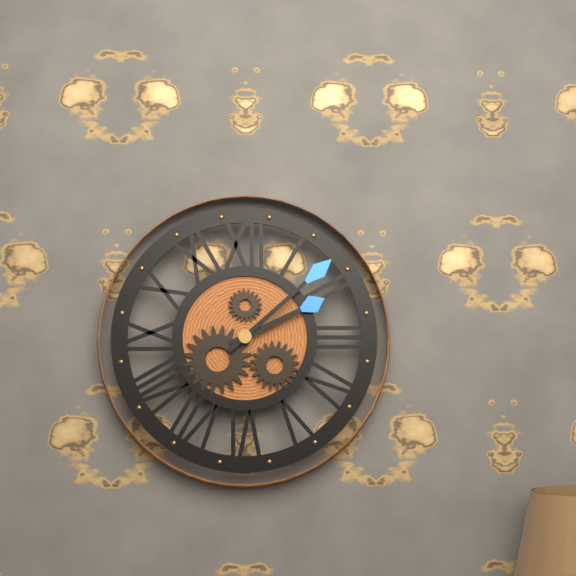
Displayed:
2.08
